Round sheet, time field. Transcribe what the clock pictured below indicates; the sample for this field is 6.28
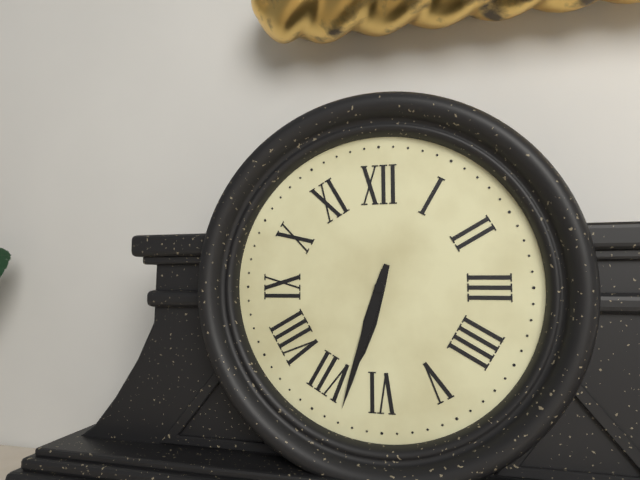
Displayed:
6.33
